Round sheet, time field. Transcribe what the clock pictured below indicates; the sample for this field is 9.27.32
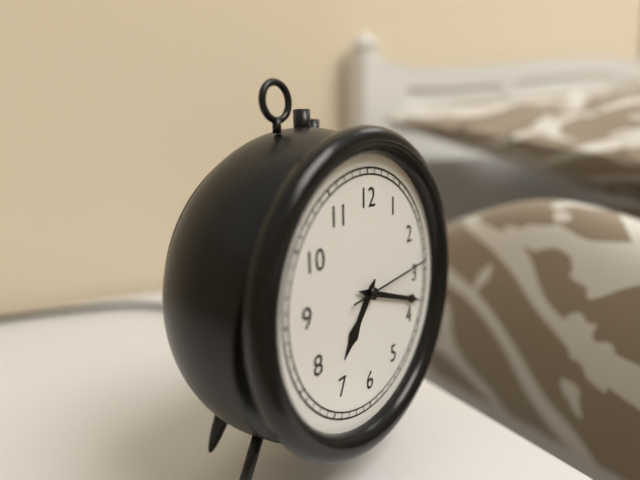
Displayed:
7.18.14
